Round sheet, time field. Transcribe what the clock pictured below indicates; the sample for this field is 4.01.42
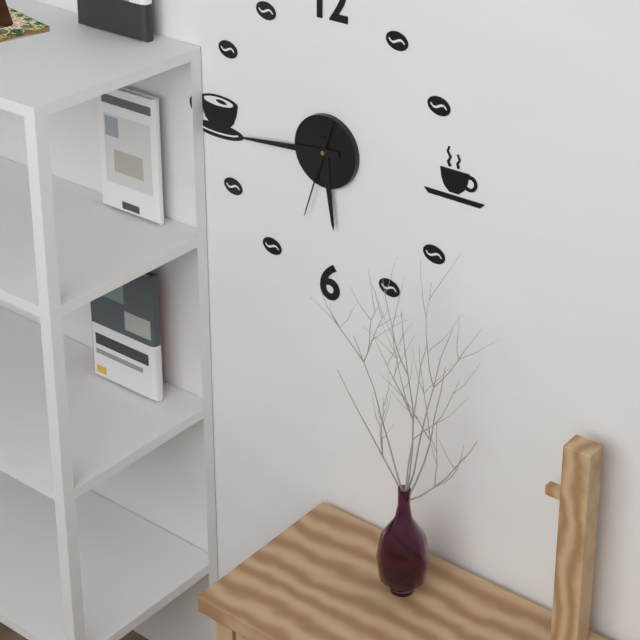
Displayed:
5.44.33
